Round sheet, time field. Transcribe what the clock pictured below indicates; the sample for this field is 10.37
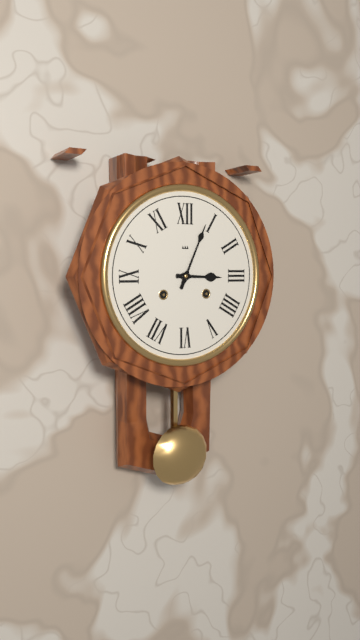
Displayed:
3.04
